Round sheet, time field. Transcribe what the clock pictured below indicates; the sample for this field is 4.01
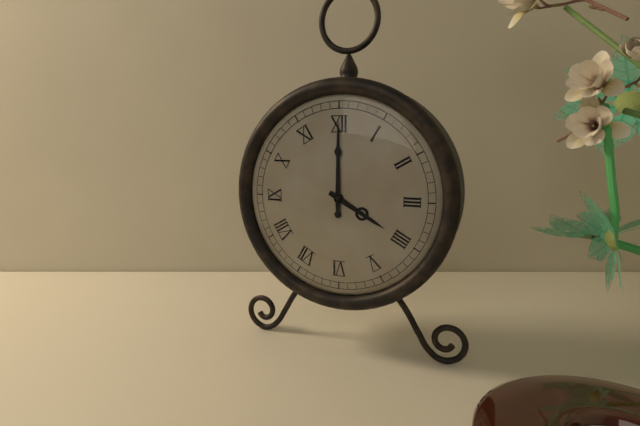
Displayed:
4.00
